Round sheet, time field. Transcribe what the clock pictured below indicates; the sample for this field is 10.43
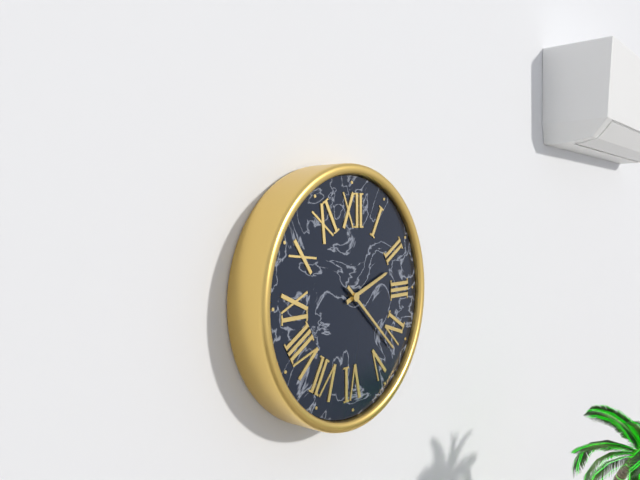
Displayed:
2.22
